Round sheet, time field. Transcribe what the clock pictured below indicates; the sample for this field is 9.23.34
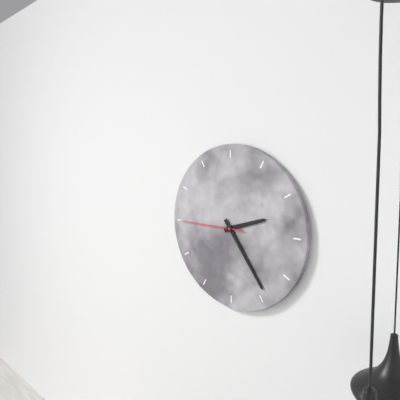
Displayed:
2.24.45
